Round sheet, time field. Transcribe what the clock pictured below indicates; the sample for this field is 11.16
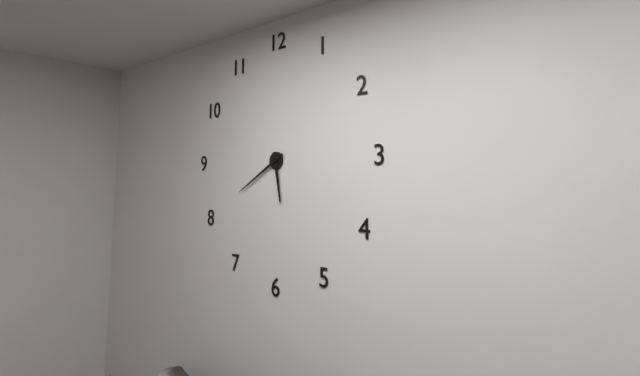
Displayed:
5.40
